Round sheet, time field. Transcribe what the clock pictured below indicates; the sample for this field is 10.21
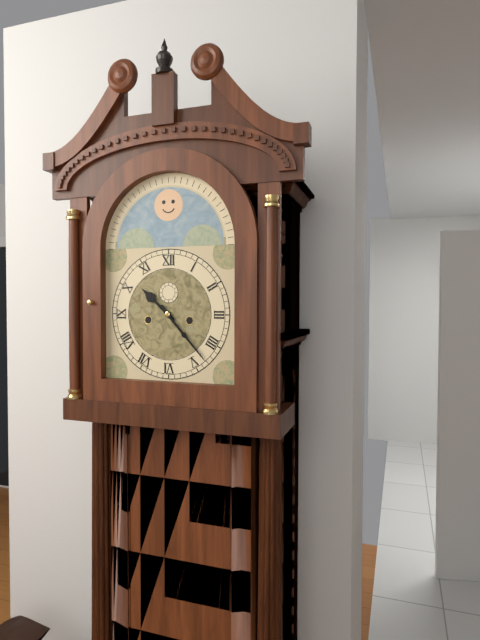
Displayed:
10.23
